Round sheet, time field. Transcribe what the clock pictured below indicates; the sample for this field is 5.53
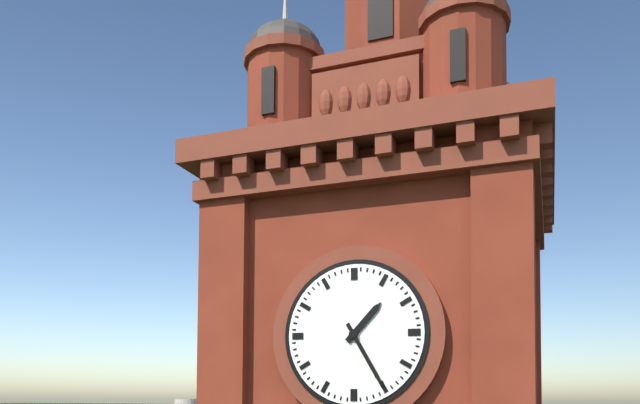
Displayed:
1.25
